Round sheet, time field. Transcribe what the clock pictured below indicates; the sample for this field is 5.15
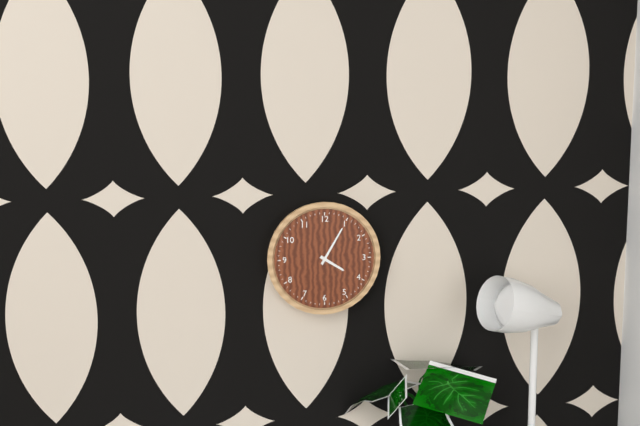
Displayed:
4.05
